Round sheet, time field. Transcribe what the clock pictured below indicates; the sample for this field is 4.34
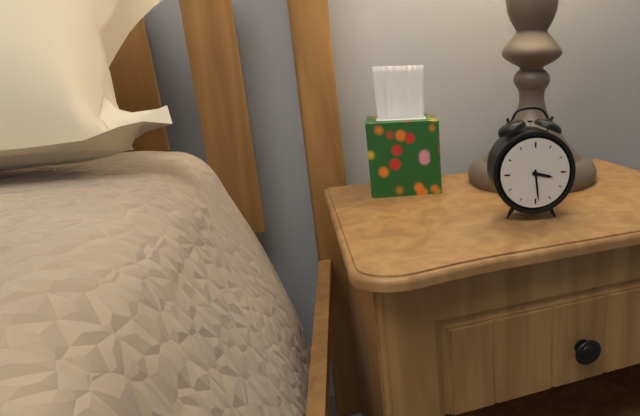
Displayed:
3.29
